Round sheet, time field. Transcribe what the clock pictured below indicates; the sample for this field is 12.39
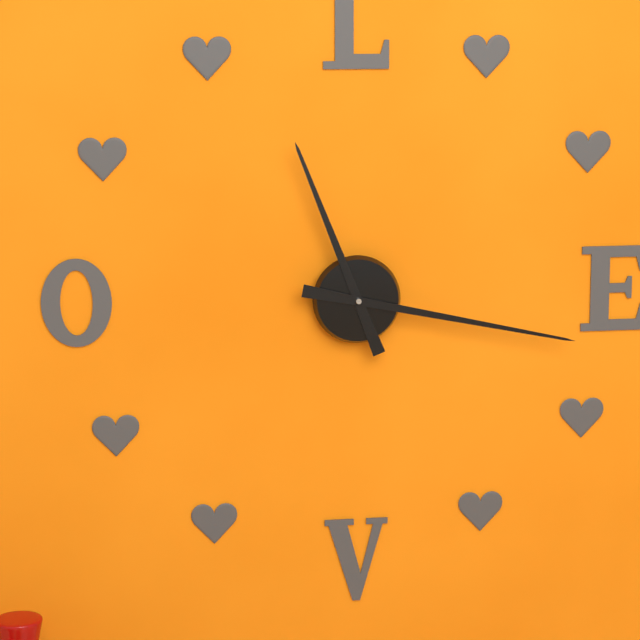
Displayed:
11.17
